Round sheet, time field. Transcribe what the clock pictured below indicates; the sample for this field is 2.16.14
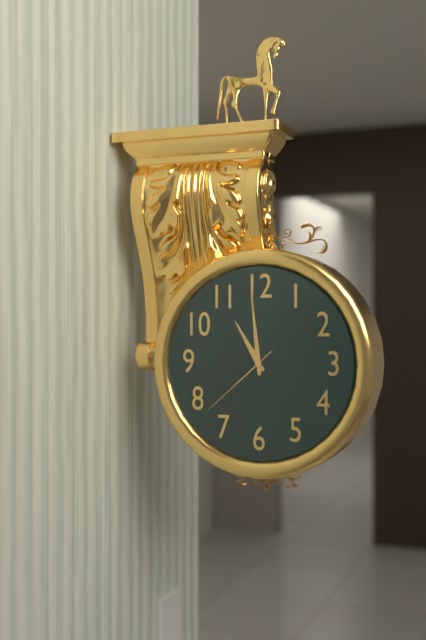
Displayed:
10.59.38
